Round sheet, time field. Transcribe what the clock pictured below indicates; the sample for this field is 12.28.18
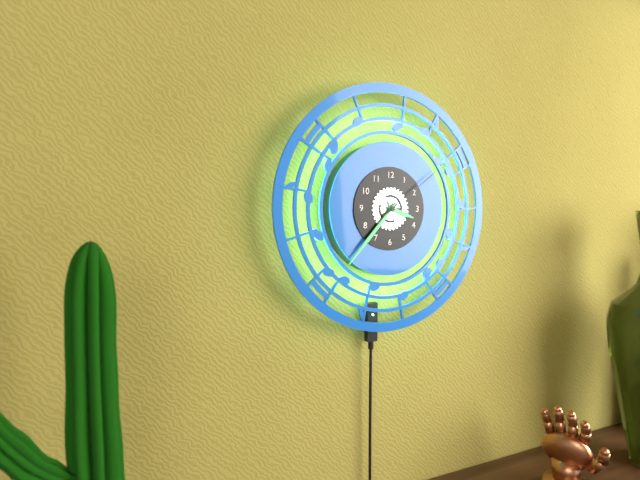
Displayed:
3.37.09
